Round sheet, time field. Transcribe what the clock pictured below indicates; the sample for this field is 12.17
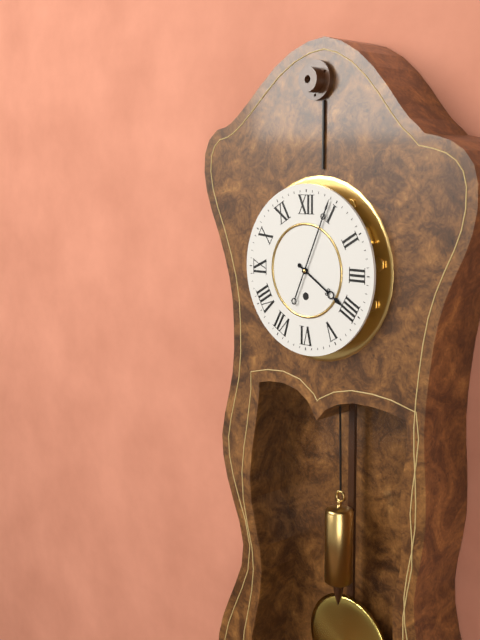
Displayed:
4.04
